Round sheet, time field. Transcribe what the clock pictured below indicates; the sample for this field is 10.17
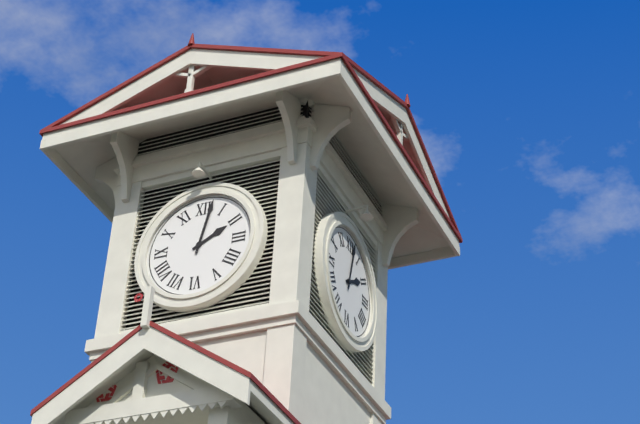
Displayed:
2.02
